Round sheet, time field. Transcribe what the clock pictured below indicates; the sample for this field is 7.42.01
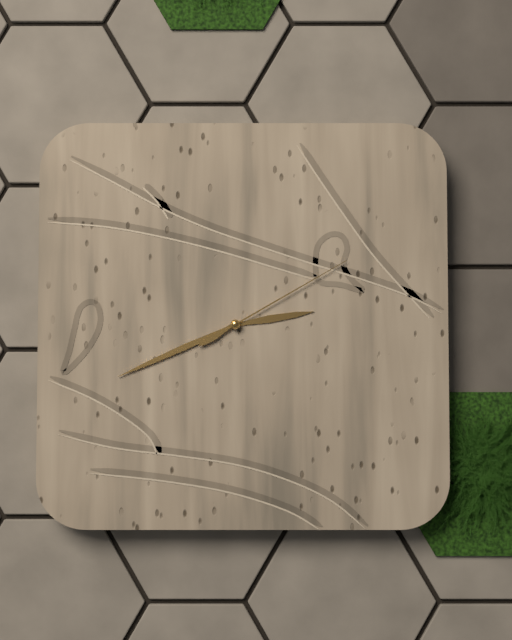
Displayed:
2.41.10
